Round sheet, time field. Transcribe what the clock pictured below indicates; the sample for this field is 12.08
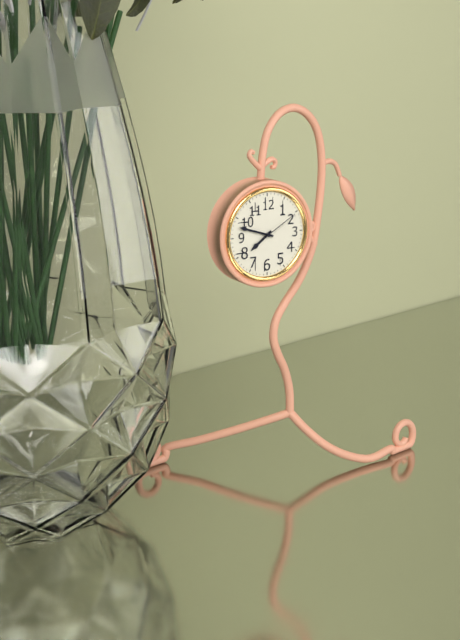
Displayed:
7.48
